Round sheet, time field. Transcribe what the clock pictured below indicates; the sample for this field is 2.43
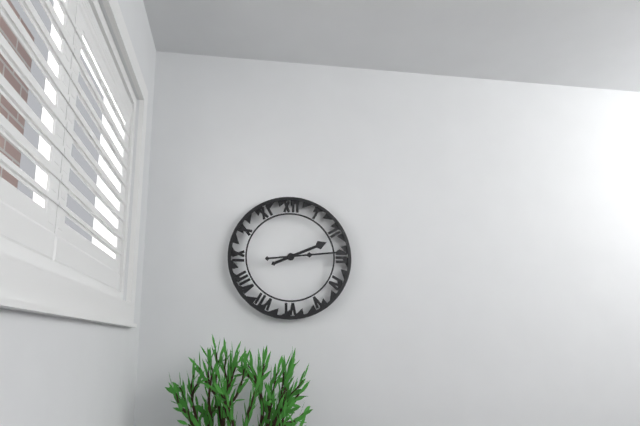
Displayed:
2.14
